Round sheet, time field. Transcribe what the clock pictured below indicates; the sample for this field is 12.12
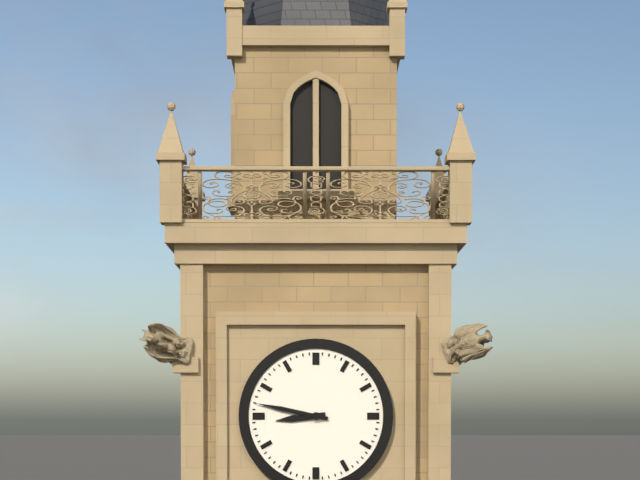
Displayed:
8.47
